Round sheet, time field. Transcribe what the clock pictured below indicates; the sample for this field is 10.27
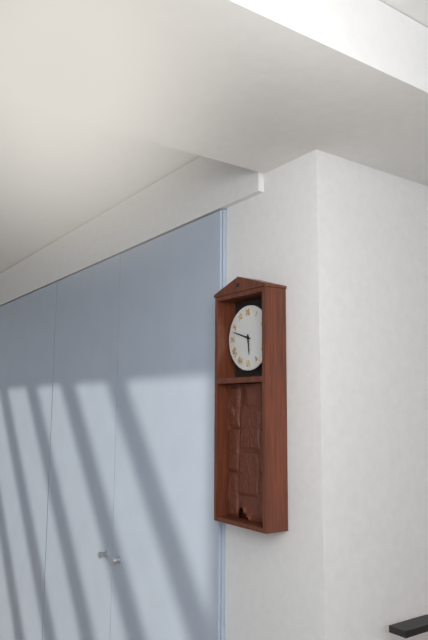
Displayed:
5.48
